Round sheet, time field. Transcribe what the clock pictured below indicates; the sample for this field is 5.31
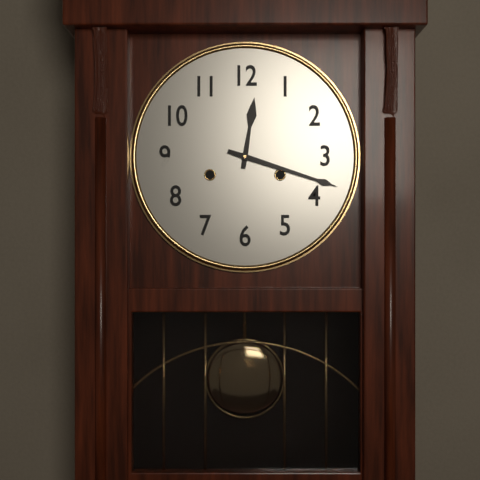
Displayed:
12.18
